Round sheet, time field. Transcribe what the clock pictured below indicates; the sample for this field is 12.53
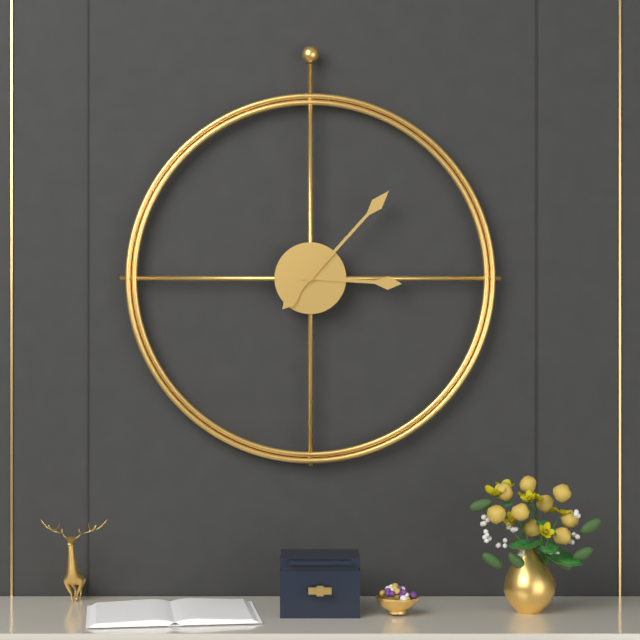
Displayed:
3.07
